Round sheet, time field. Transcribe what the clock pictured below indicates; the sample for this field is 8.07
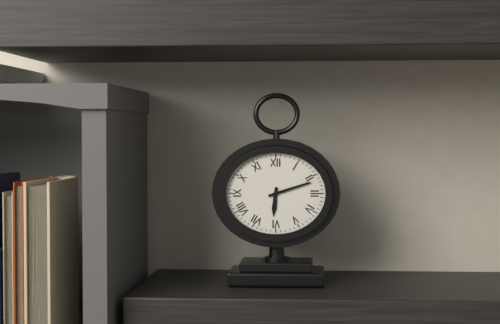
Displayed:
6.12
